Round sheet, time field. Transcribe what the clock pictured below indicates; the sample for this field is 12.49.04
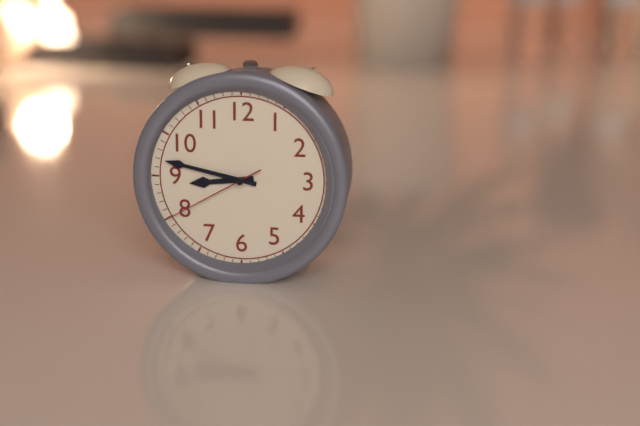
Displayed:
8.47.40
